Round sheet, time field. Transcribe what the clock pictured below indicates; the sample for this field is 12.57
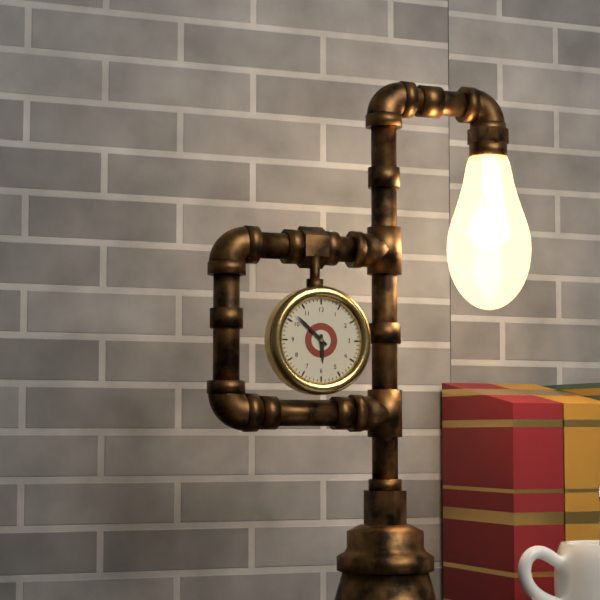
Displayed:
5.52
